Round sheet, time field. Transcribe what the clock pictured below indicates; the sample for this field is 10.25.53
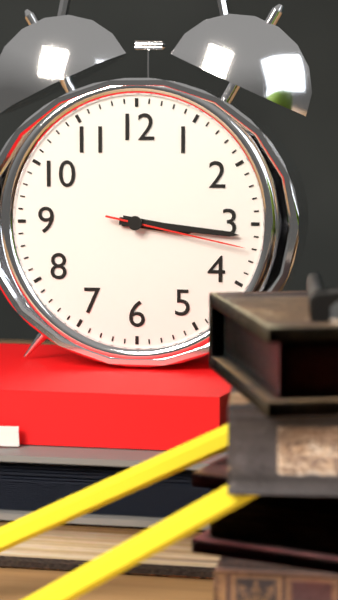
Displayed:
3.16.17
